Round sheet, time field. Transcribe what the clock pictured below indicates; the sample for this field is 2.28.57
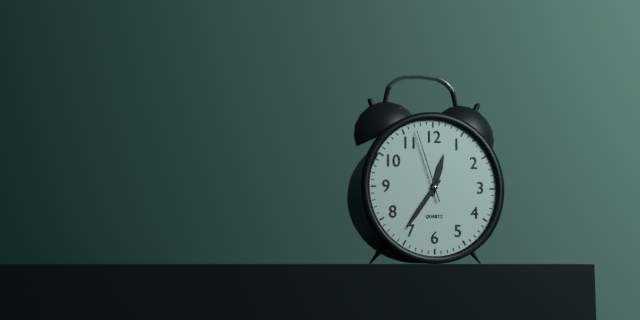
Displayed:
12.36.57
